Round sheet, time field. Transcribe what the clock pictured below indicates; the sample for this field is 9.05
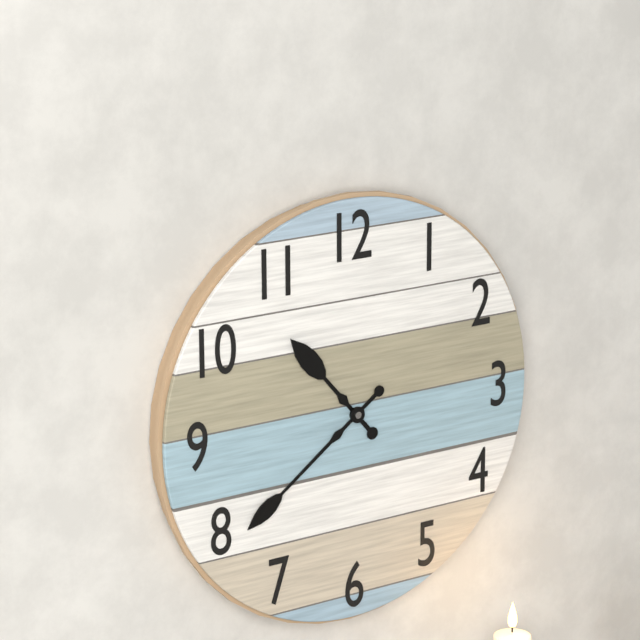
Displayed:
10.39
